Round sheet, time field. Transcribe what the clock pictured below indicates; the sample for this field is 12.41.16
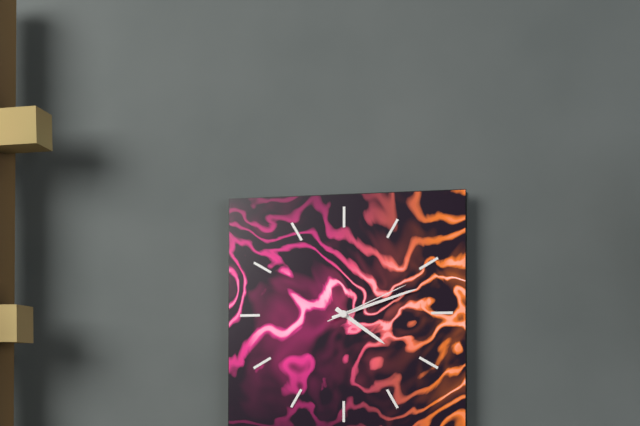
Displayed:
4.12.11
